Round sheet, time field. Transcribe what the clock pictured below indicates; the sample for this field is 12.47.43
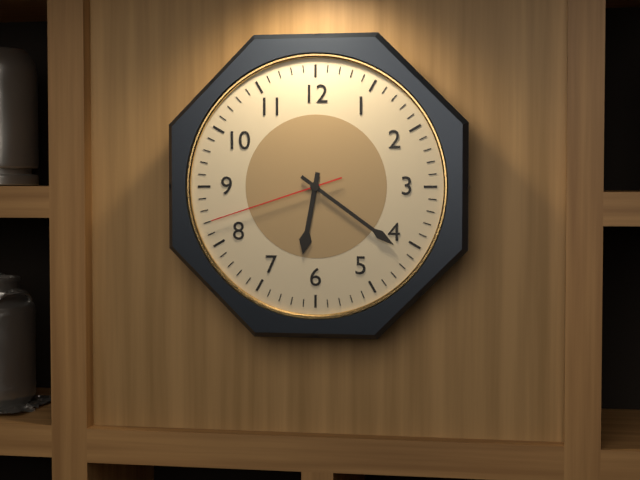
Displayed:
6.21.42
